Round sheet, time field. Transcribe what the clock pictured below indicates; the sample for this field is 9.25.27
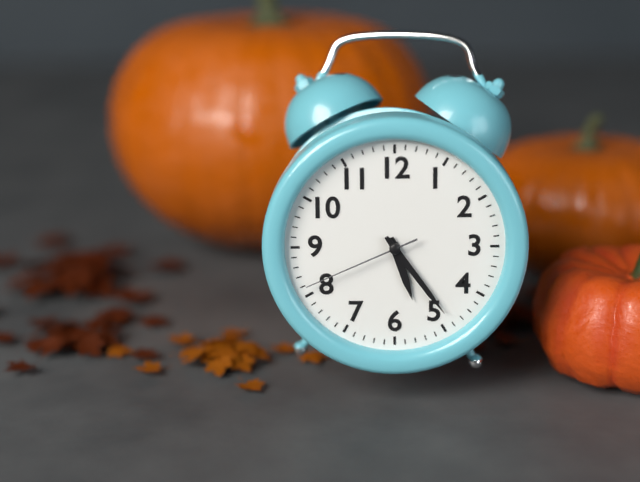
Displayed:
5.24.41
